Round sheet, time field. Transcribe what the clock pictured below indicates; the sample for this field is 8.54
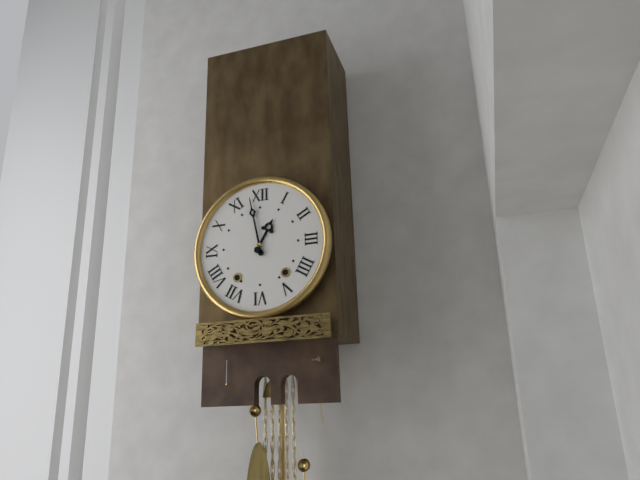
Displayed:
12.58
